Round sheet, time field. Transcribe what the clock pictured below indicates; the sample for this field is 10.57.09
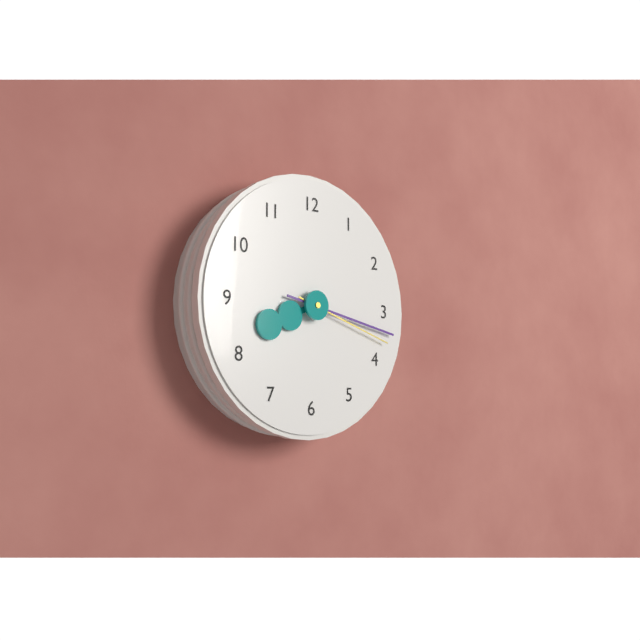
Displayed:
8.17.18
